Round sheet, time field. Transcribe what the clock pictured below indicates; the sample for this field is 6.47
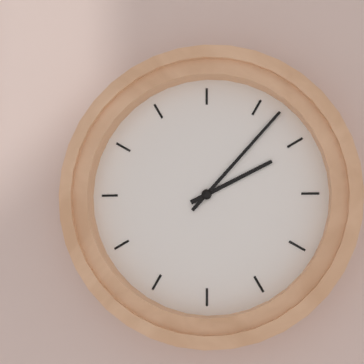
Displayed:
2.07
